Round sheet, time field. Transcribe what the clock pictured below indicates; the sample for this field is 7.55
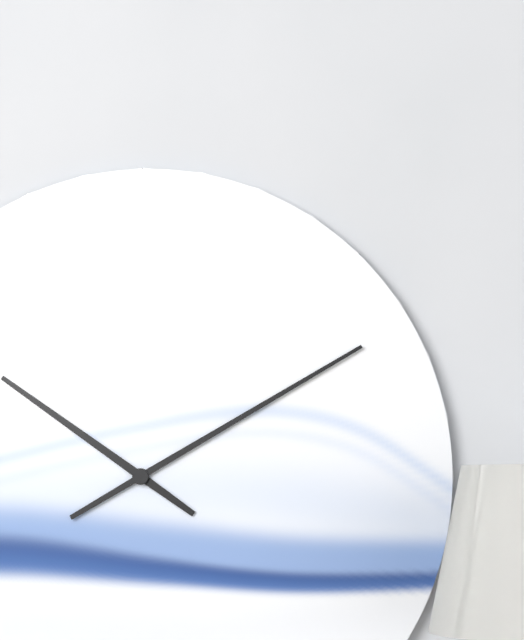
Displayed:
10.10
